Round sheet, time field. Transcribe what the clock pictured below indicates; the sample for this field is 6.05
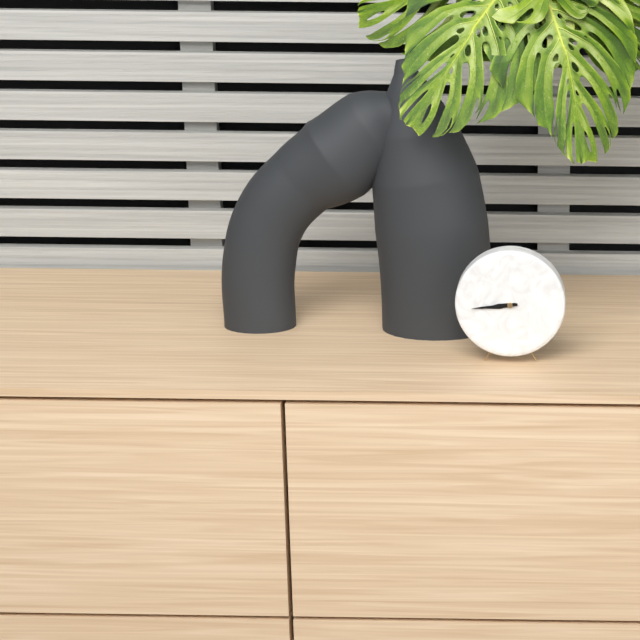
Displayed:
8.44
